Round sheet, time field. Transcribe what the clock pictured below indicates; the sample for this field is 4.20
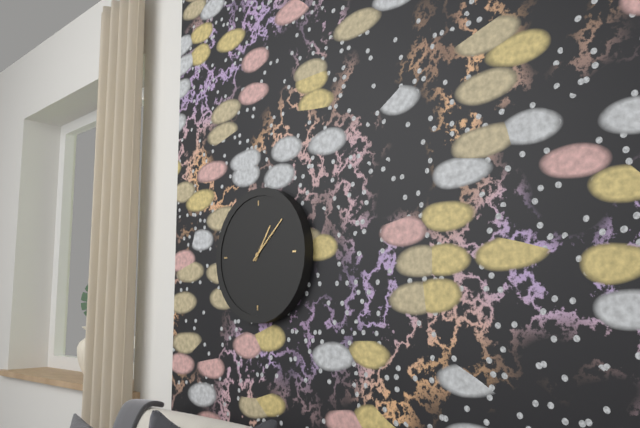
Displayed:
1.08
